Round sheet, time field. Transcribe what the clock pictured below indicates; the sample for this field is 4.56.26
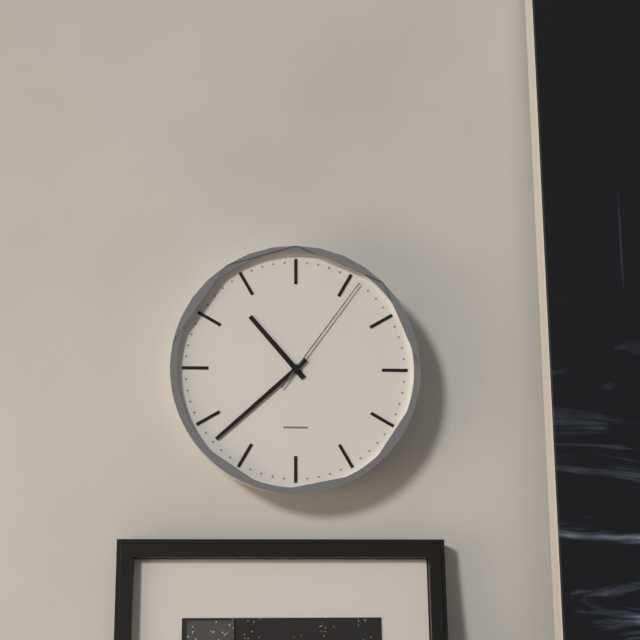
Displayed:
10.38.06
